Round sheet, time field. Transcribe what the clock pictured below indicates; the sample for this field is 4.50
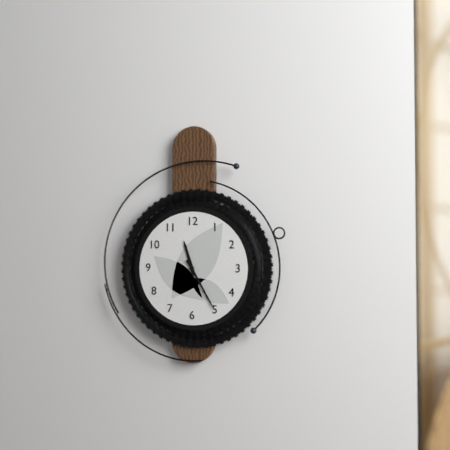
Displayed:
11.25
